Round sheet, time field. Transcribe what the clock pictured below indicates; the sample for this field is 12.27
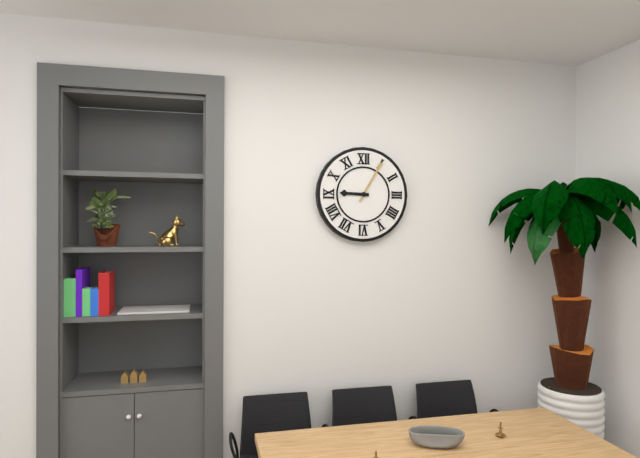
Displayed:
9.05
